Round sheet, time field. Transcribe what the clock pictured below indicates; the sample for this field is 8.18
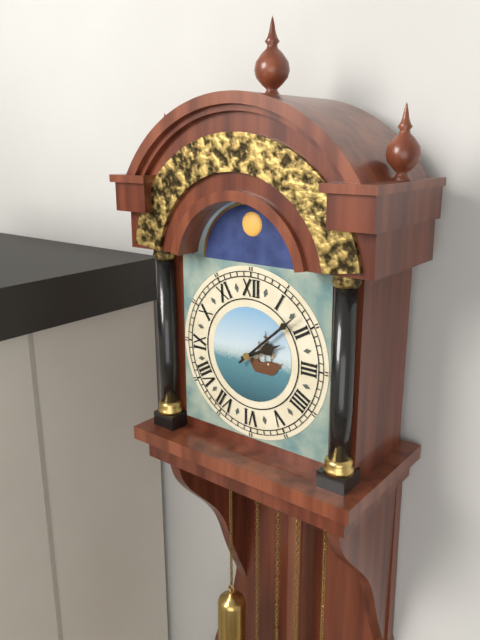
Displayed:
2.08
